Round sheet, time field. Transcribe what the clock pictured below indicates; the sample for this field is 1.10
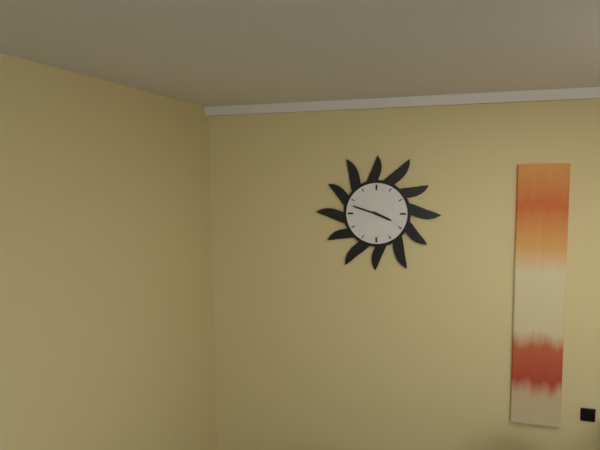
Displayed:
3.48
